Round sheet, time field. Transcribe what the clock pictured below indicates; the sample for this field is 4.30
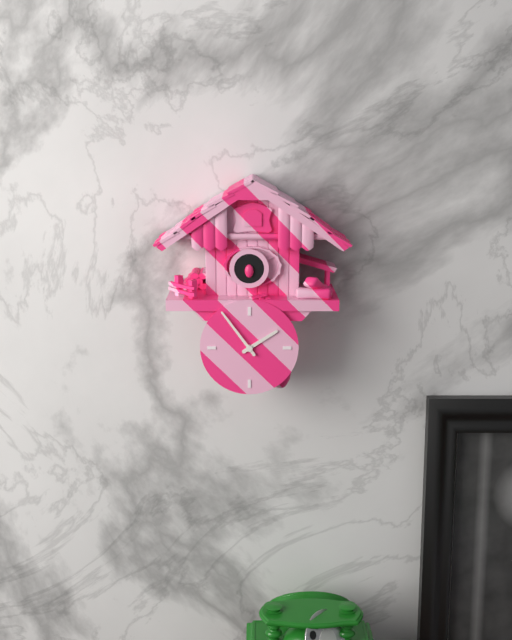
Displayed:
1.54
